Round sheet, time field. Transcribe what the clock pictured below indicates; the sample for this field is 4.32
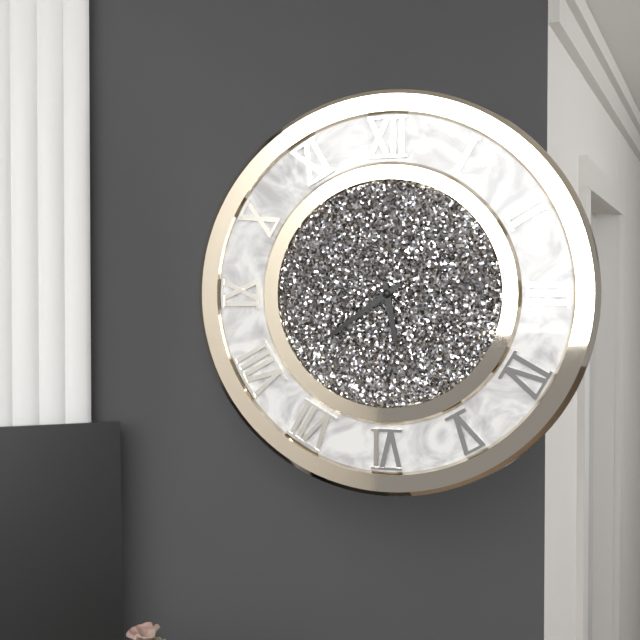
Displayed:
5.39
